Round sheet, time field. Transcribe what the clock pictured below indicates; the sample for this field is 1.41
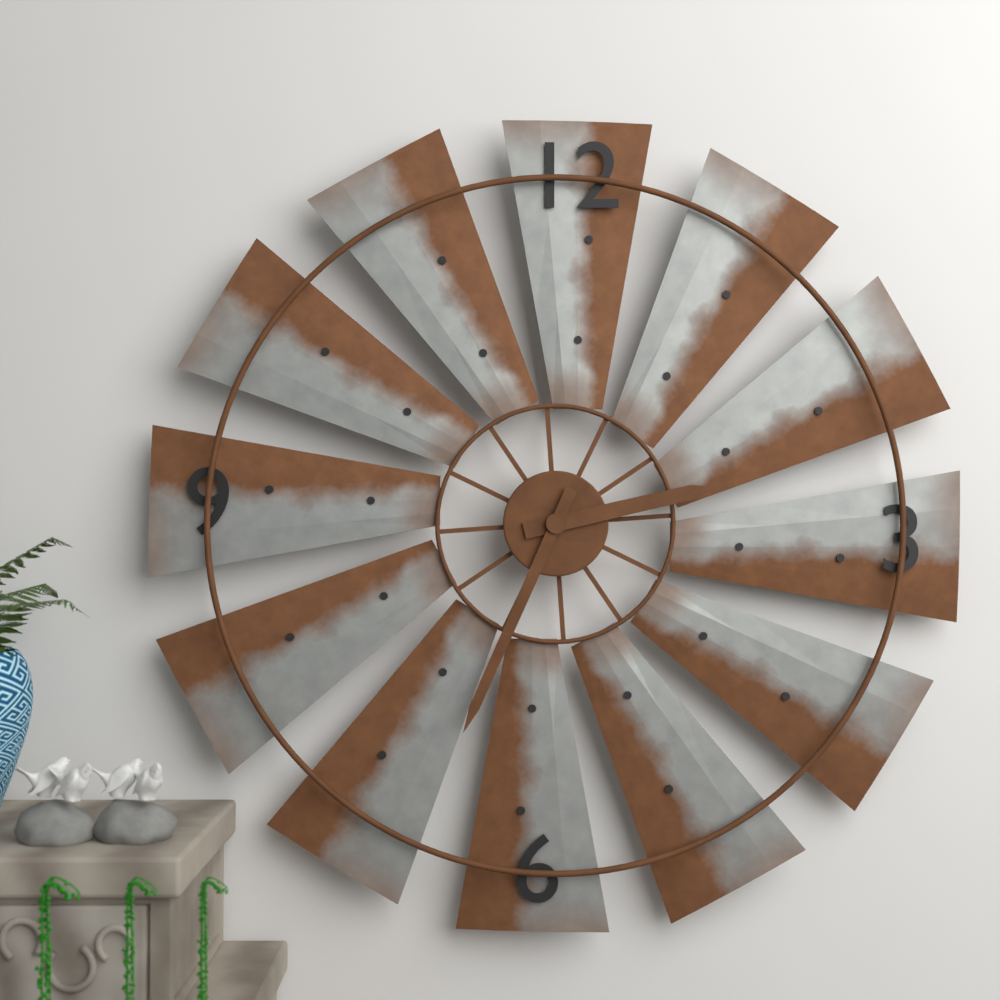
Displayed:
2.34
